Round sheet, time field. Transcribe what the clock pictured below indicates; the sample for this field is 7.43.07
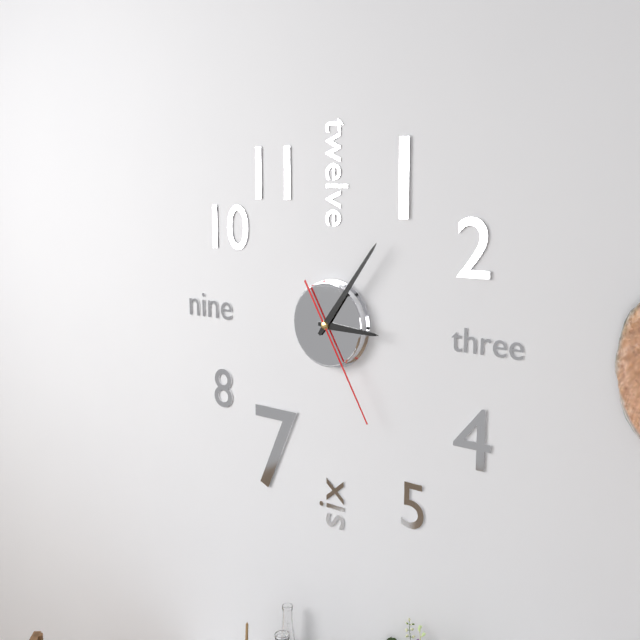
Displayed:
3.06.25
